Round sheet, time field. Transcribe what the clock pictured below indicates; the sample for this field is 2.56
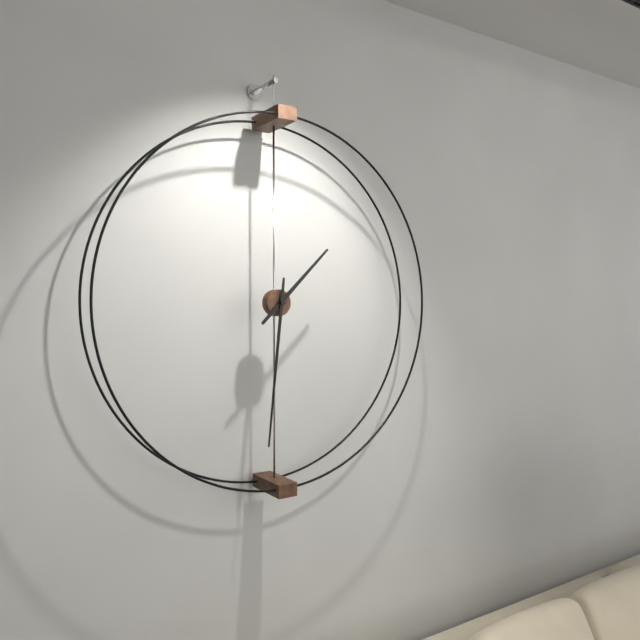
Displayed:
1.31
